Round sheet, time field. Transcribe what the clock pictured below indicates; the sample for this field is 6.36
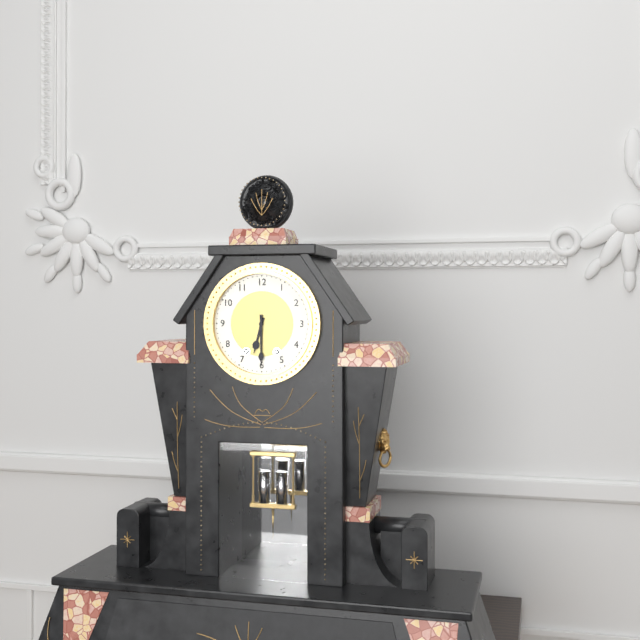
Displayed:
6.30
